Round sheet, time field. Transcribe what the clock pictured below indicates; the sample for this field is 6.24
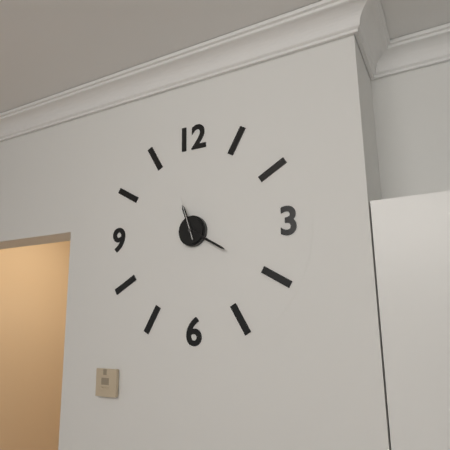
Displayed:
11.20
